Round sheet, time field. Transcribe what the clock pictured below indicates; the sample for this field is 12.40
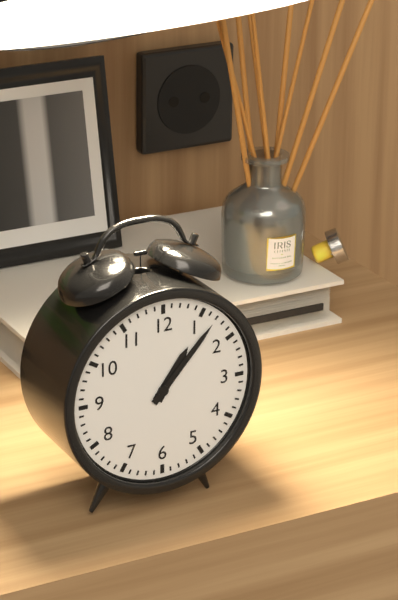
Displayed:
1.07
